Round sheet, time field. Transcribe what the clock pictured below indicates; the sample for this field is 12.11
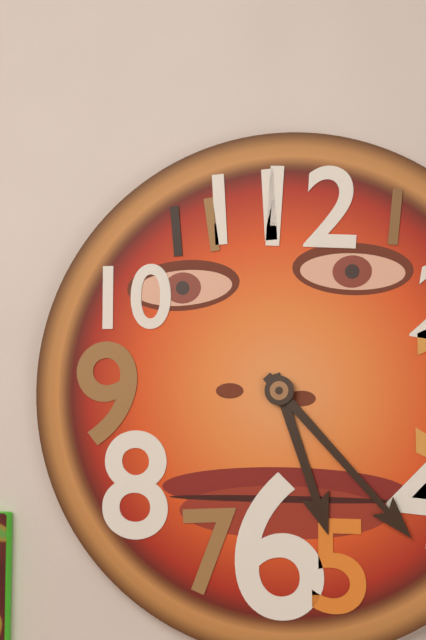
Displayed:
5.23
